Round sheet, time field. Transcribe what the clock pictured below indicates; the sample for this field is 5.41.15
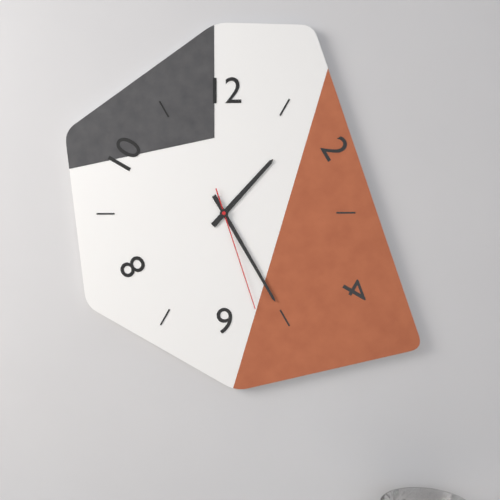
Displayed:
1.25.27
